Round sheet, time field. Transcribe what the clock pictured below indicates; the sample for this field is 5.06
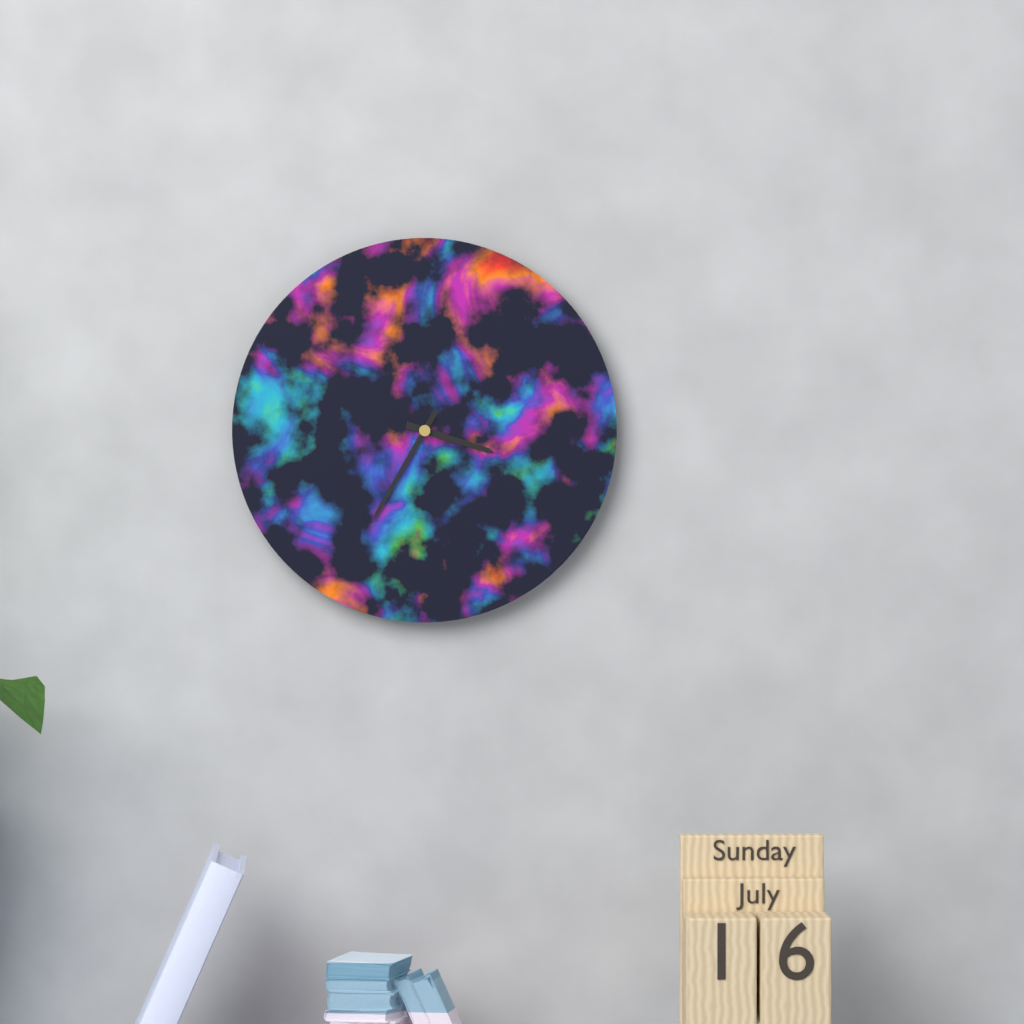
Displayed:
3.35
